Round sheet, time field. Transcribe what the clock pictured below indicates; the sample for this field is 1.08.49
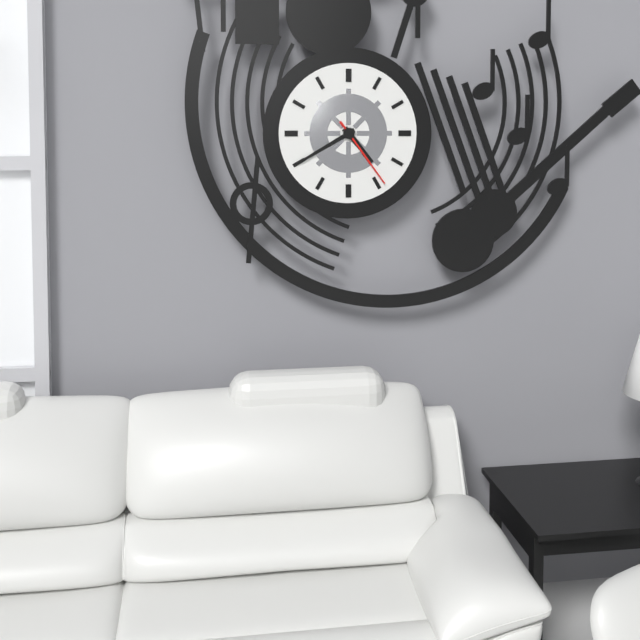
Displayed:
4.40.24
